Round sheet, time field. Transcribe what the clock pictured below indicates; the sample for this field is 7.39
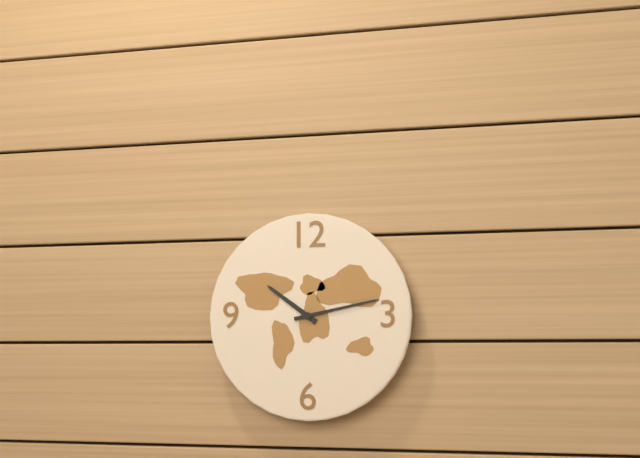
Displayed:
10.13
